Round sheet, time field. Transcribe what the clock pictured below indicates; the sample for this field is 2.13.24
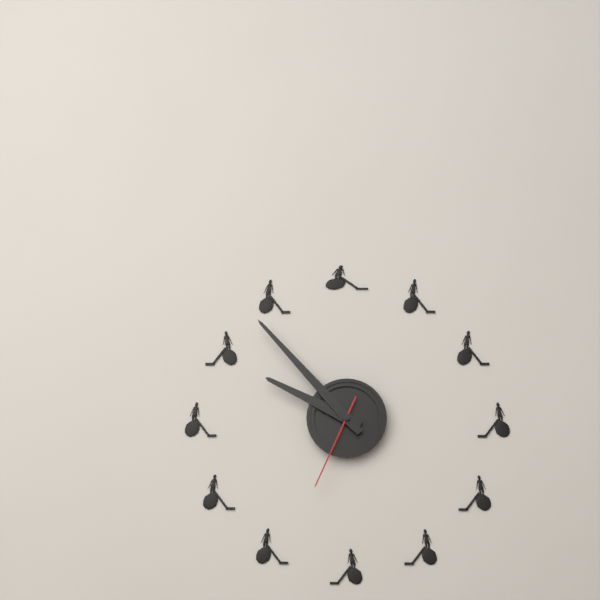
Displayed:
9.53.34
